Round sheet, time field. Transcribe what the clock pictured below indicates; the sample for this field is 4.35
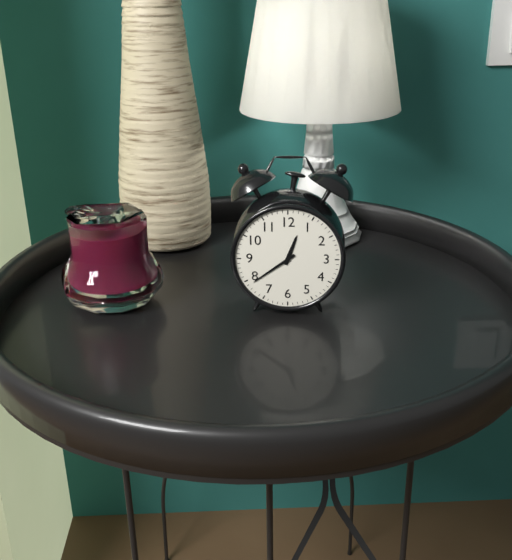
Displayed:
12.39
